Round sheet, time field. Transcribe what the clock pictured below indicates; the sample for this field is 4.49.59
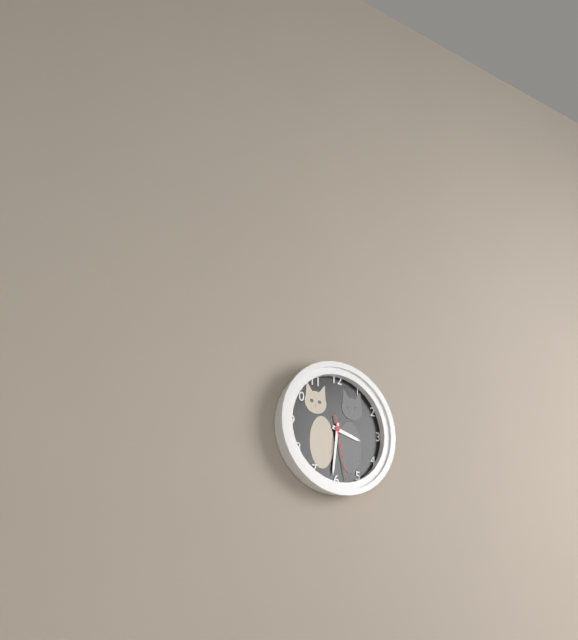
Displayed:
3.31.28
